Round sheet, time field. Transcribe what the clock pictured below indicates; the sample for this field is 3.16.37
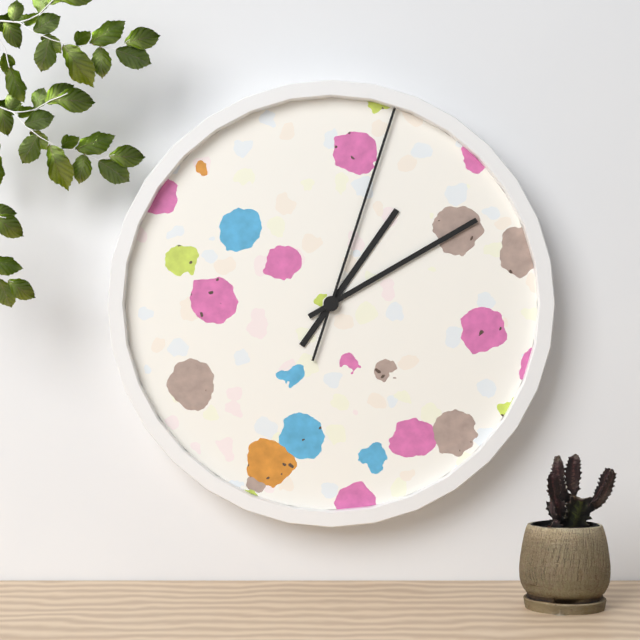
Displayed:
1.10.03
